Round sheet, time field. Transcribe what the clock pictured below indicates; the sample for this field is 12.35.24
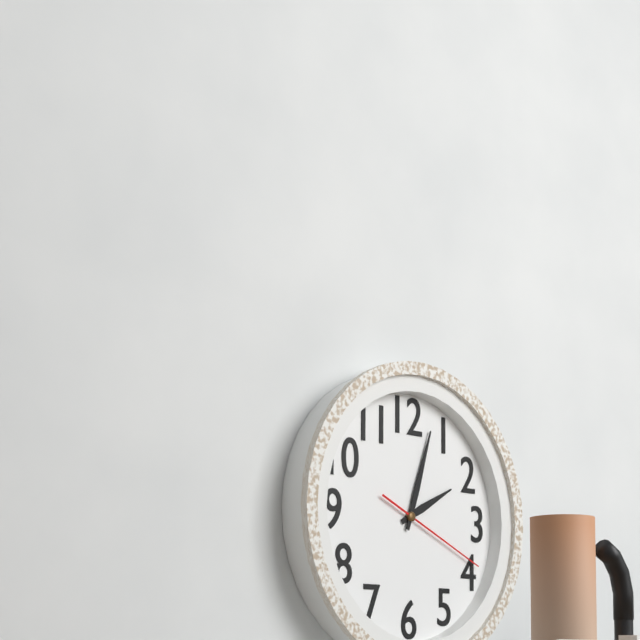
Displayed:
2.03.19
